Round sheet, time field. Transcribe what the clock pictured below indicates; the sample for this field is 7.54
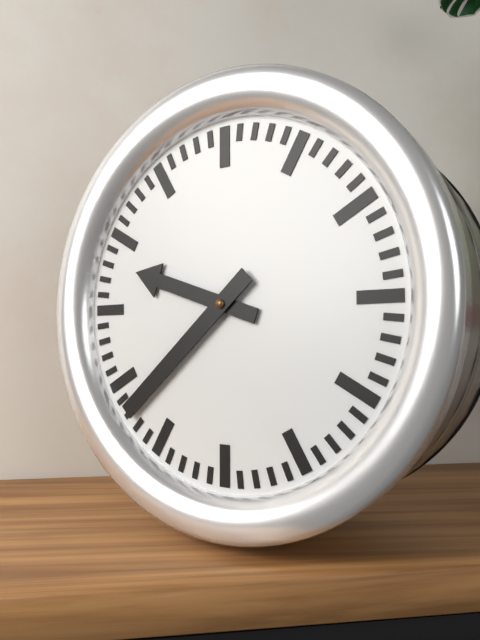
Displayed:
9.38
